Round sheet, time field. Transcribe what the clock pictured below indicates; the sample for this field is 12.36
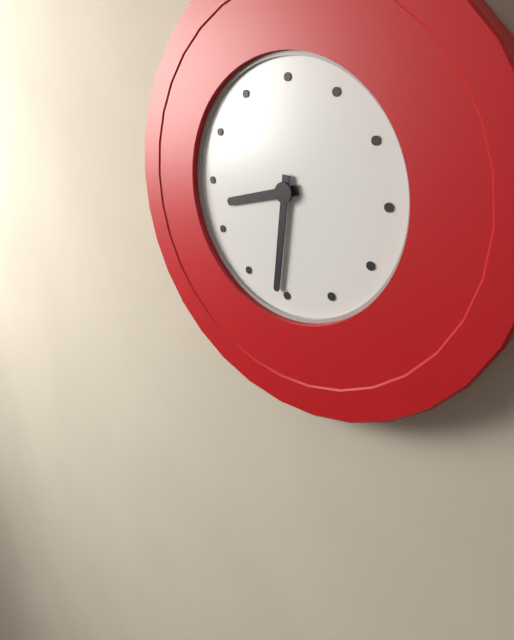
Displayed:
8.31
